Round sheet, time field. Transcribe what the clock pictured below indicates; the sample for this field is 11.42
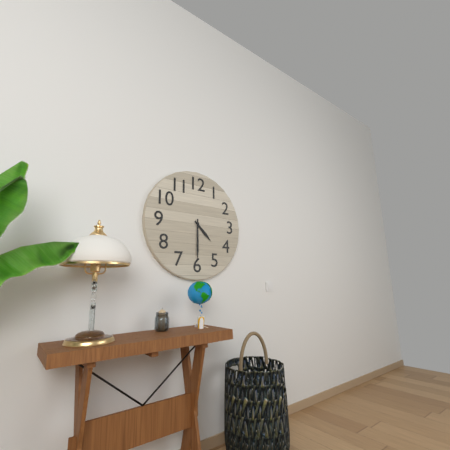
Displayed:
4.30
